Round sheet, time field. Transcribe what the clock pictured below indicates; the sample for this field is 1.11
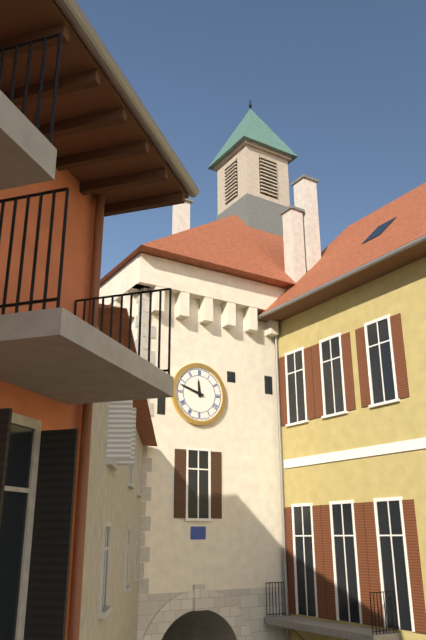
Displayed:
11.48
